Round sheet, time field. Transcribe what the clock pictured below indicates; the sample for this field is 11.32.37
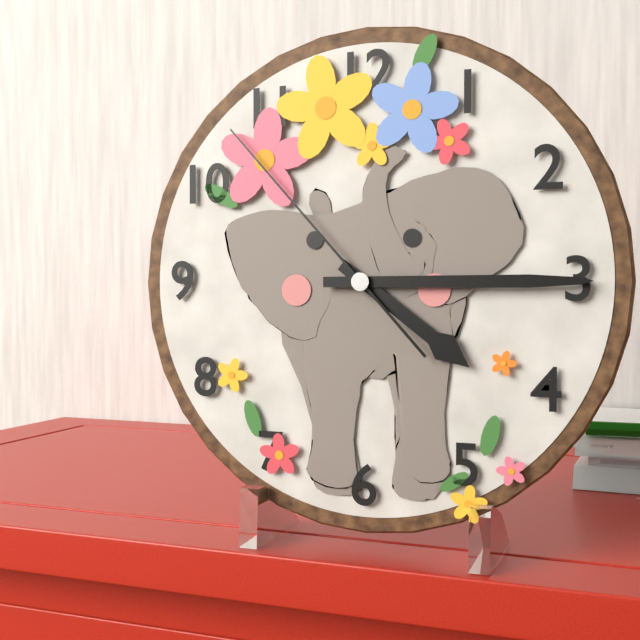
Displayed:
4.15.53
